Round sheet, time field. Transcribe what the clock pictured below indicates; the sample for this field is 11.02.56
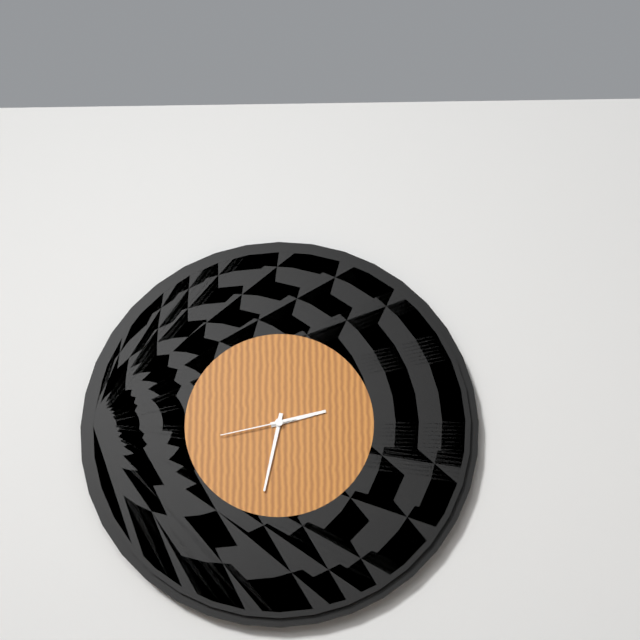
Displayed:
2.32.43
